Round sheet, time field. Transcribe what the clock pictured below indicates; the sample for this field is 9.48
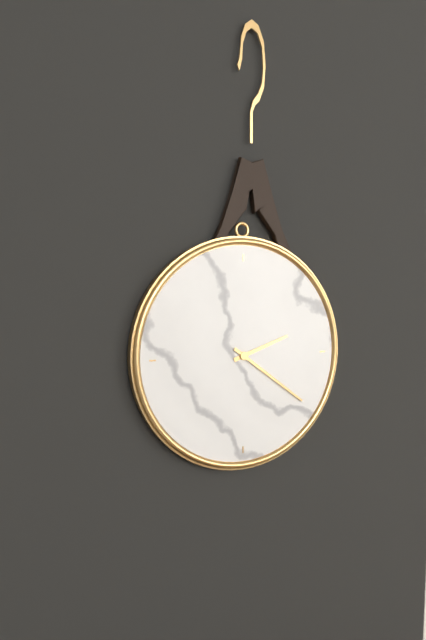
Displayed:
2.21
